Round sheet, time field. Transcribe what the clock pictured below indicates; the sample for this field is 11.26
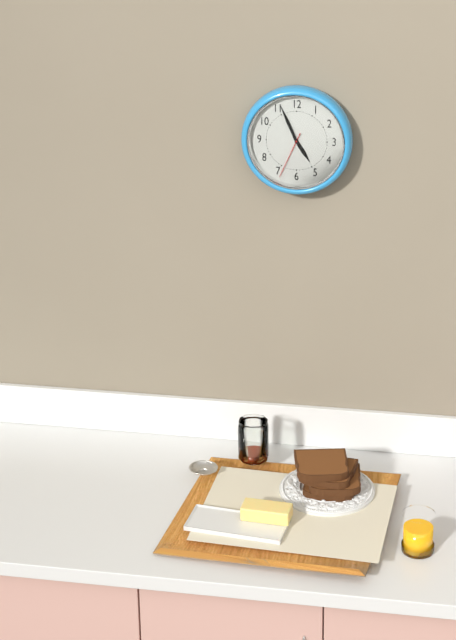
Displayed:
4.56
